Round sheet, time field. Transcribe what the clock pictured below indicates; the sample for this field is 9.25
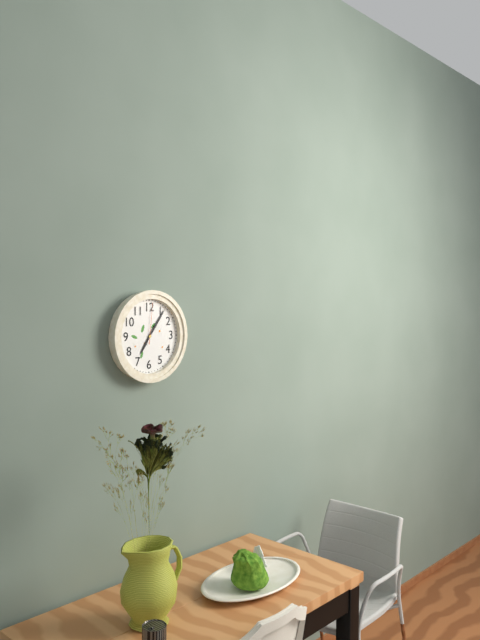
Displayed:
7.06
